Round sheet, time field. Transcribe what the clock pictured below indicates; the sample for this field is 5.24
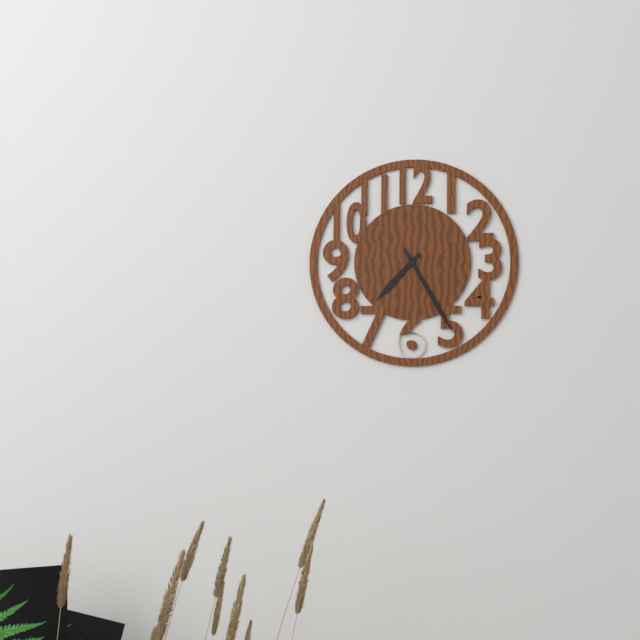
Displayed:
7.25
